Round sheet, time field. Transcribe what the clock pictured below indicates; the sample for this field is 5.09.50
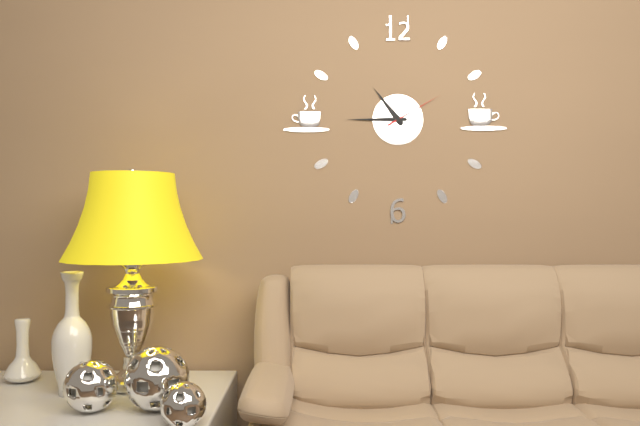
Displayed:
10.45.10
